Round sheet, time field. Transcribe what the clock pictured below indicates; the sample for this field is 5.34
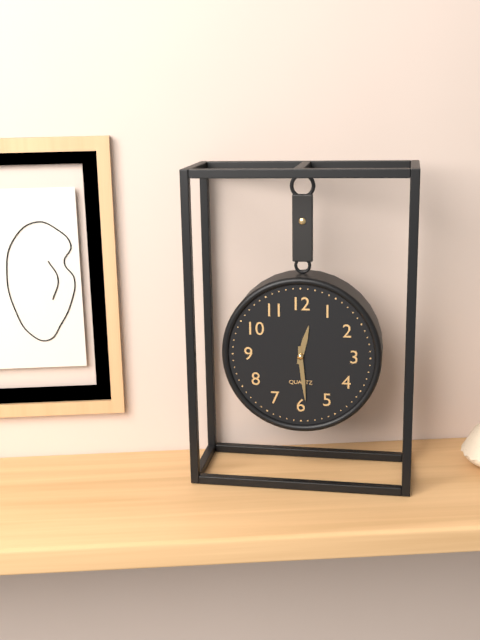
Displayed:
12.29
